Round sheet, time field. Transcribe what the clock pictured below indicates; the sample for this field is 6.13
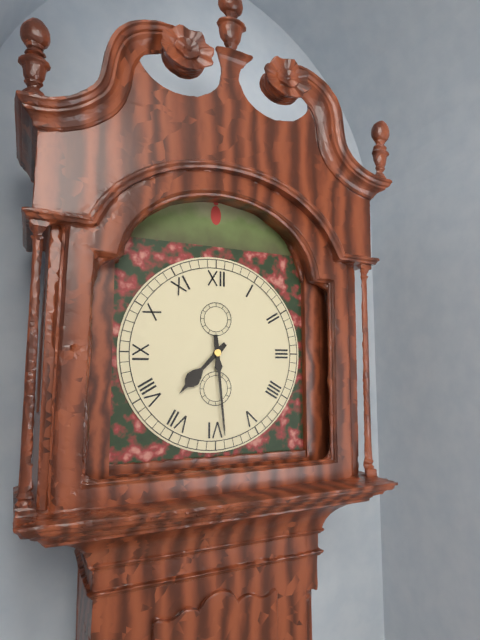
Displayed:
7.29
